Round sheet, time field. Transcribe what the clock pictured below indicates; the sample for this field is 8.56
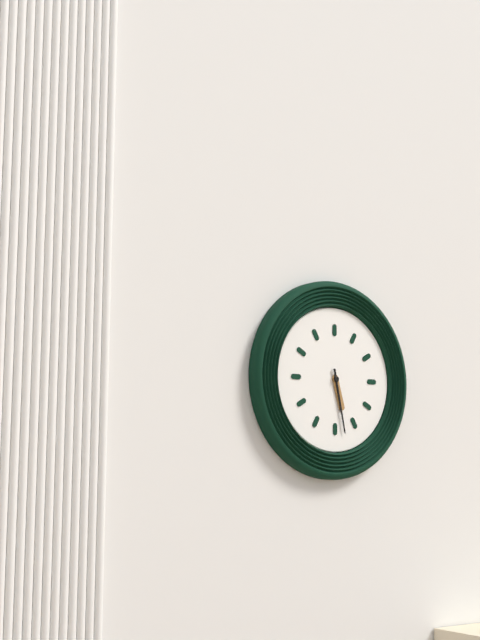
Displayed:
5.28
